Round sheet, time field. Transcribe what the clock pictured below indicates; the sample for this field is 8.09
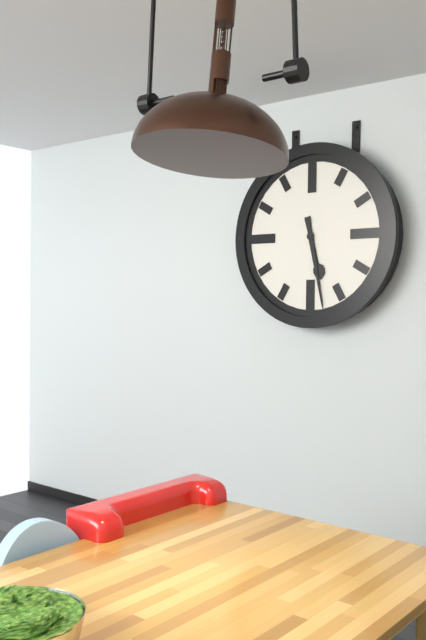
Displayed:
5.28
